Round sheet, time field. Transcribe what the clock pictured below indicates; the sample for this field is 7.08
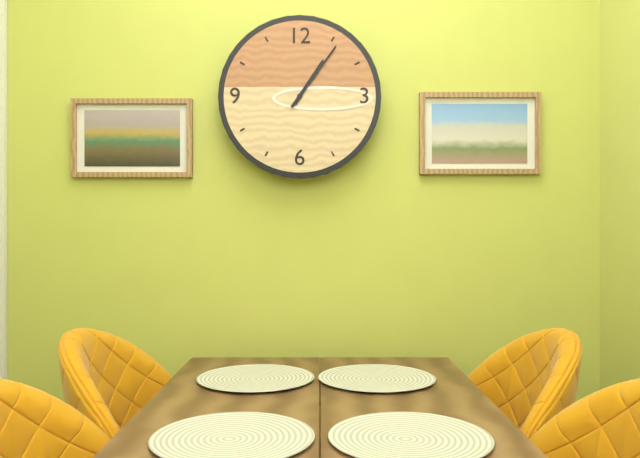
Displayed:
1.06
